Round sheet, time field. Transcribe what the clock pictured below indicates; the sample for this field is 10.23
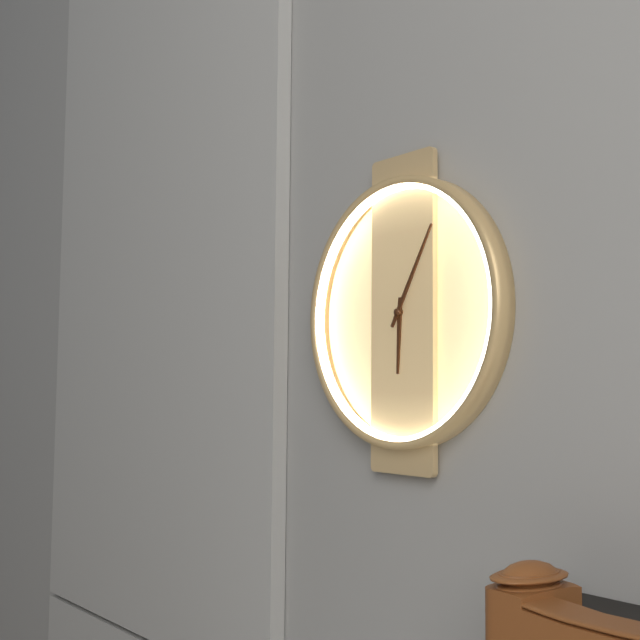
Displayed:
6.05
